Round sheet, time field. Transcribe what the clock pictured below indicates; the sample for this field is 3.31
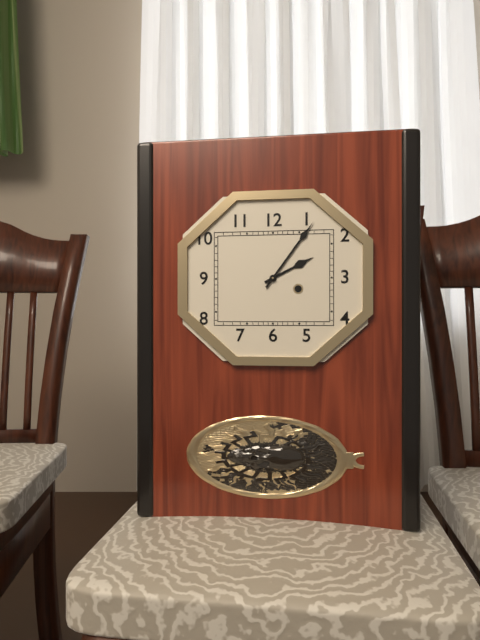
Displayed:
2.06
